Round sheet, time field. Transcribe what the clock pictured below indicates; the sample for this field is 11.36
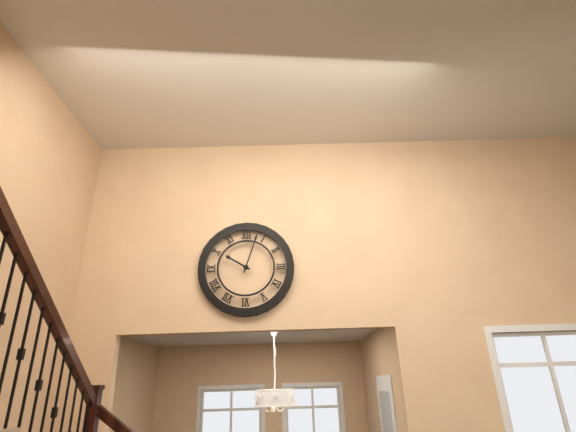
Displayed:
10.03
